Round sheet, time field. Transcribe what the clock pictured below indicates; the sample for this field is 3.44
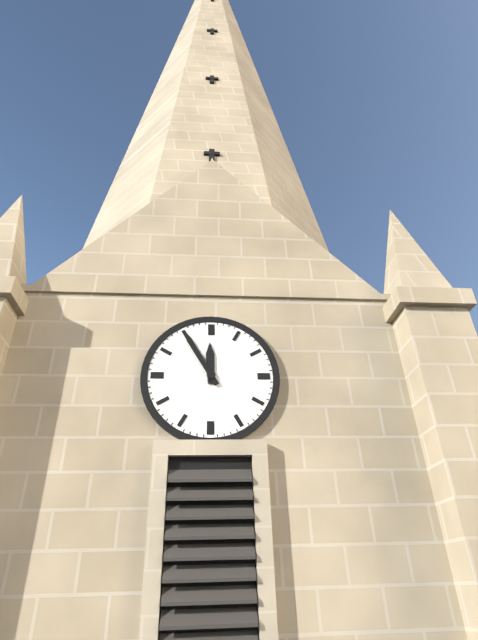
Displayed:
11.55
